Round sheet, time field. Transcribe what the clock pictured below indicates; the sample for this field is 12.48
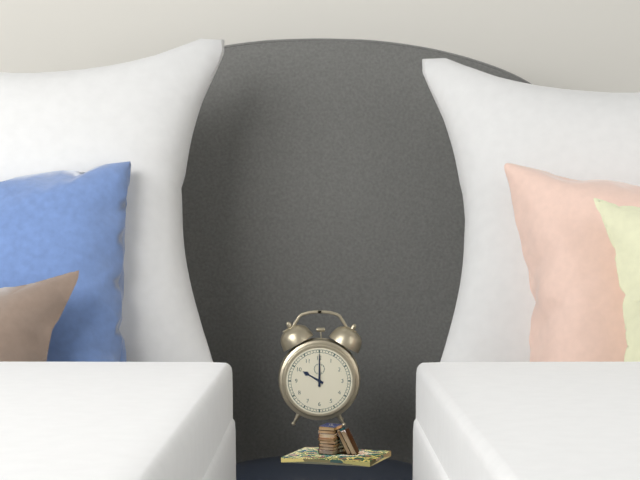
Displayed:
10.00
